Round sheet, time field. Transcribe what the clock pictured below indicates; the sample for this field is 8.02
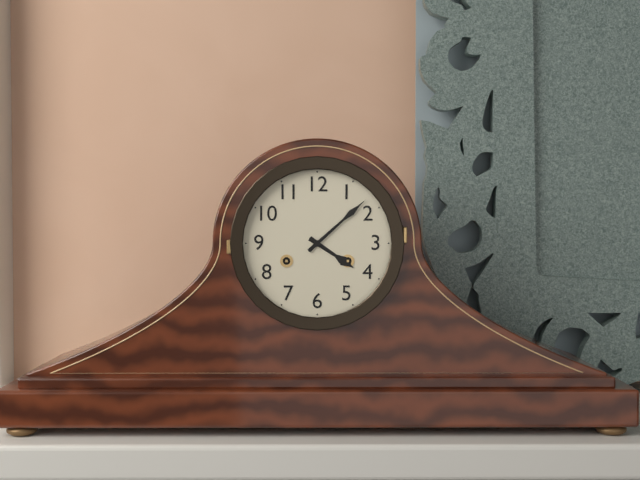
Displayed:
4.08
